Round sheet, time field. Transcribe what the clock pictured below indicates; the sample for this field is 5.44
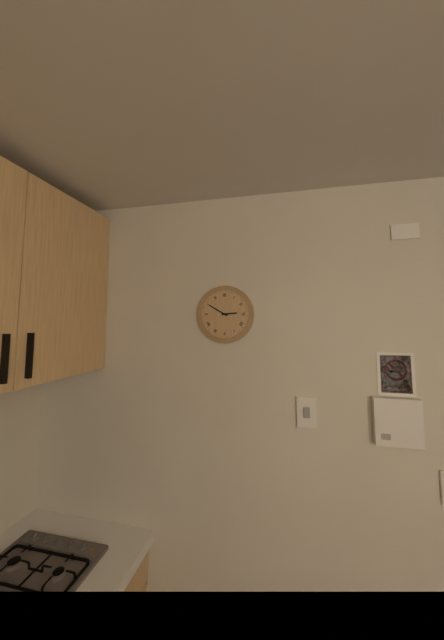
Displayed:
2.50
